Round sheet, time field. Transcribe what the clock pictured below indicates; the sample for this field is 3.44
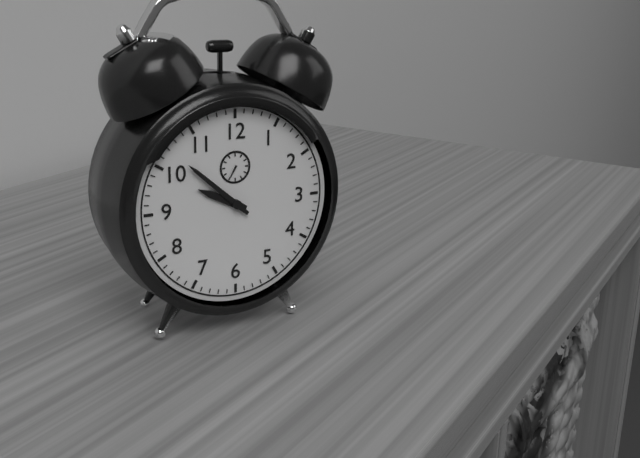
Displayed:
9.52
